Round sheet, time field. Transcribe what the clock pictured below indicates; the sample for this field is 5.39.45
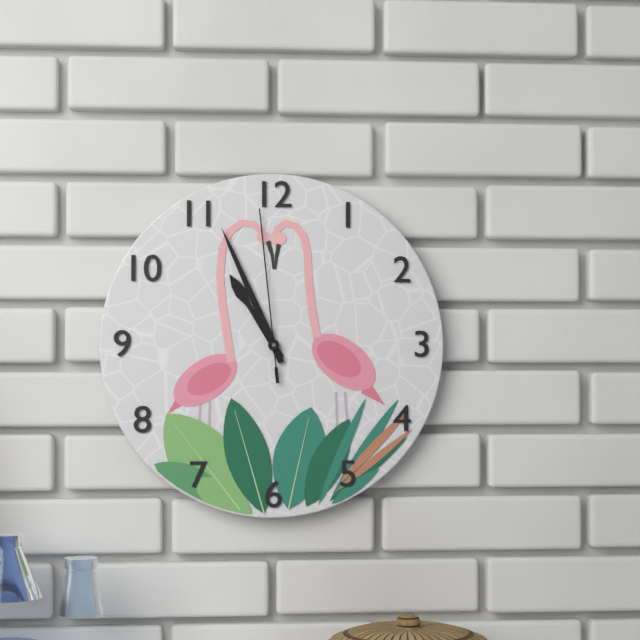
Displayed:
10.56.59
